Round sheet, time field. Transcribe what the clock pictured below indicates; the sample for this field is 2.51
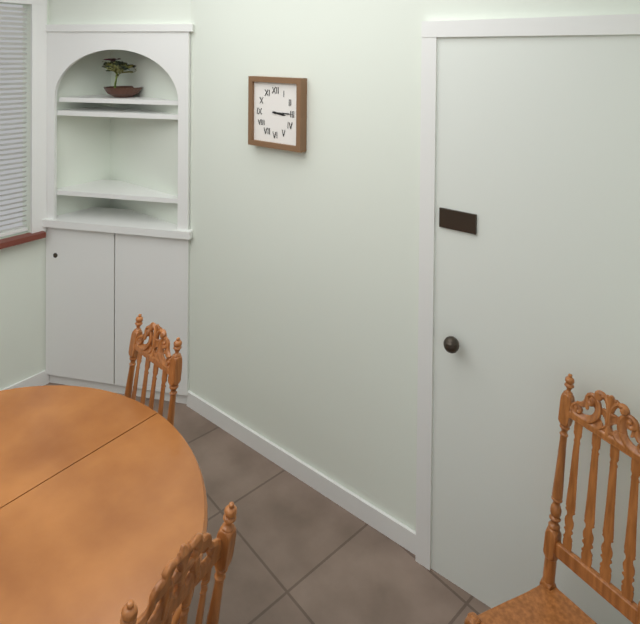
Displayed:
3.15
